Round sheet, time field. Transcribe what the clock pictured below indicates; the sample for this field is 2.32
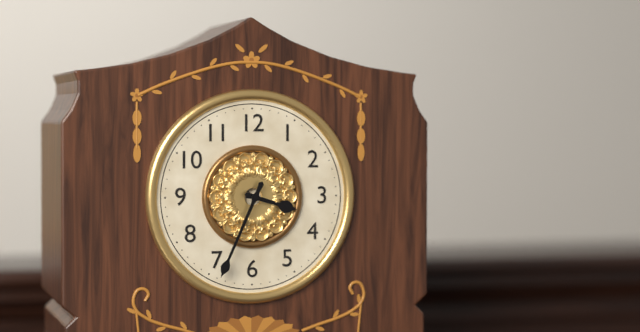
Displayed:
3.34
